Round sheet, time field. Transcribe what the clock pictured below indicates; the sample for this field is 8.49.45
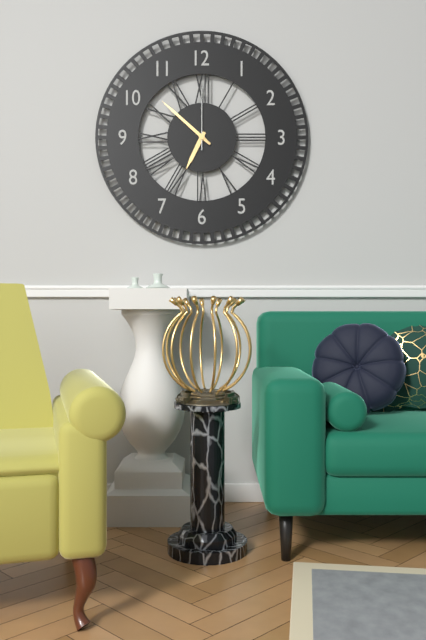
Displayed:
6.52.00
